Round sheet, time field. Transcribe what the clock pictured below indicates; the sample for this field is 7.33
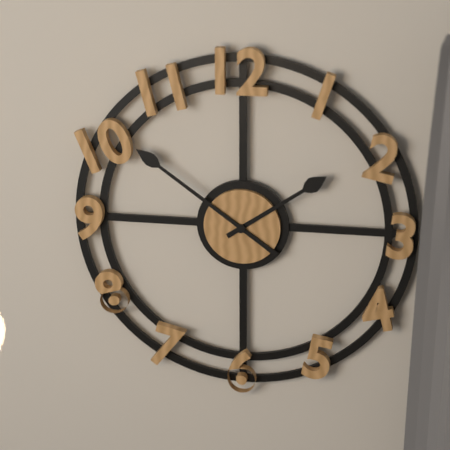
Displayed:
1.51
